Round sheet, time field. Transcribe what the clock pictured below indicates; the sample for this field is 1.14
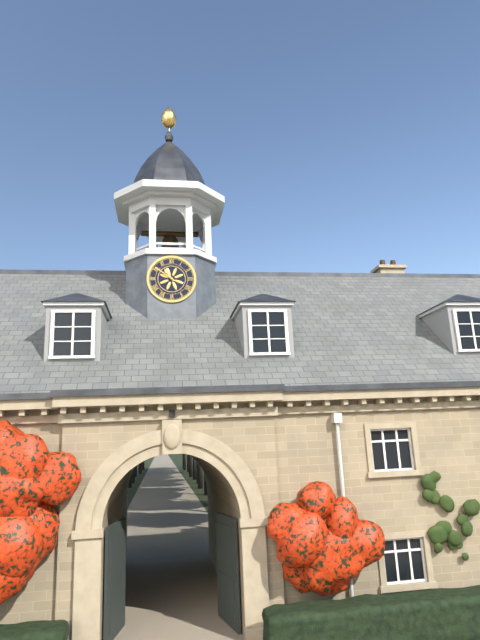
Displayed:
10.51
